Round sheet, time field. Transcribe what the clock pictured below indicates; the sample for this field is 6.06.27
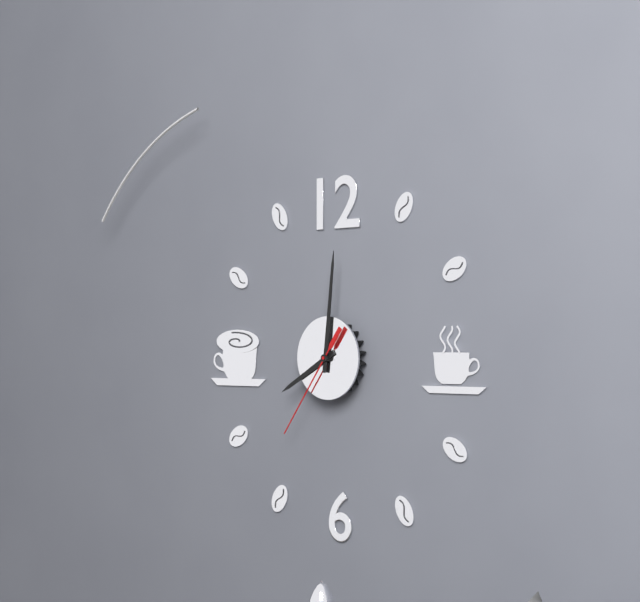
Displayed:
8.01.36
